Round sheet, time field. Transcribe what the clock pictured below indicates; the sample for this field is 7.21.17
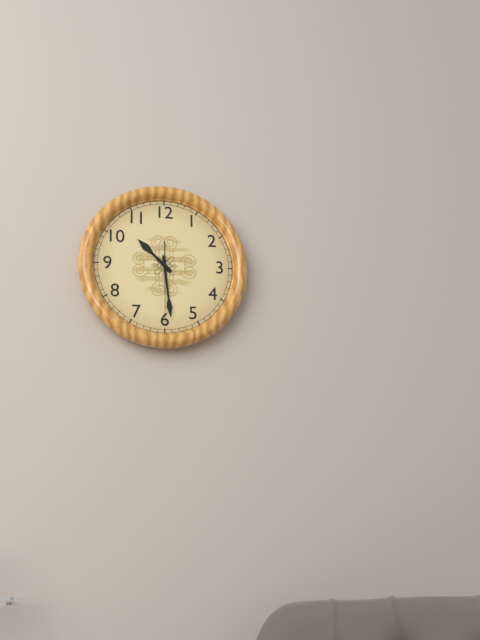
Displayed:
10.29.30
